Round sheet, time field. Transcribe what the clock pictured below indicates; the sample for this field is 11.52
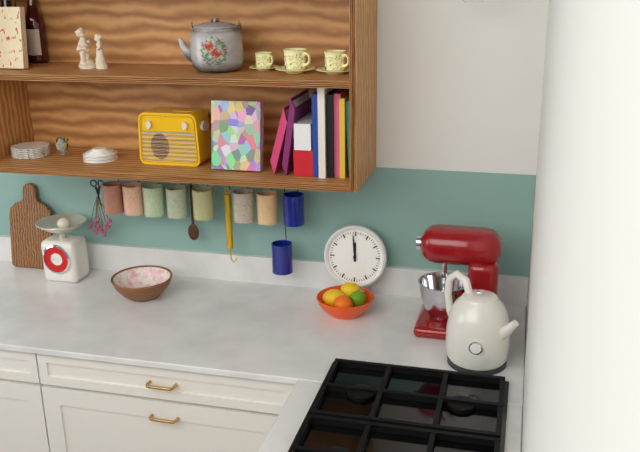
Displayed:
11.59
